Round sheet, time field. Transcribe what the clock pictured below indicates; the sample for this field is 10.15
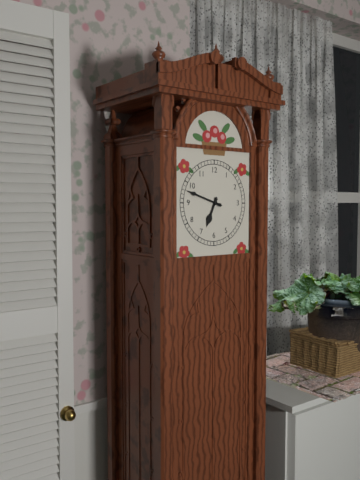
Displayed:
6.48
